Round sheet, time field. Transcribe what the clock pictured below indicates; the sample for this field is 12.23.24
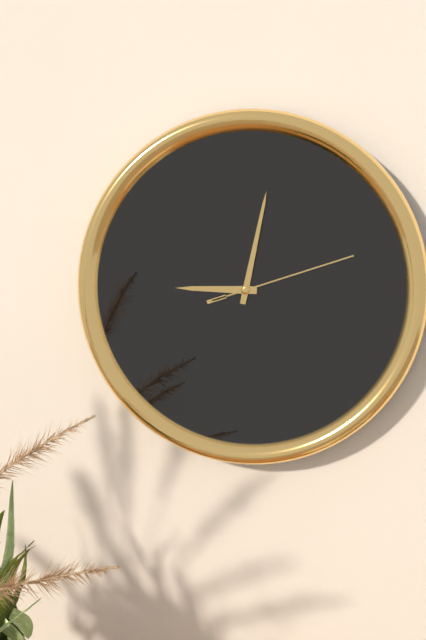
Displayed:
9.02.12
